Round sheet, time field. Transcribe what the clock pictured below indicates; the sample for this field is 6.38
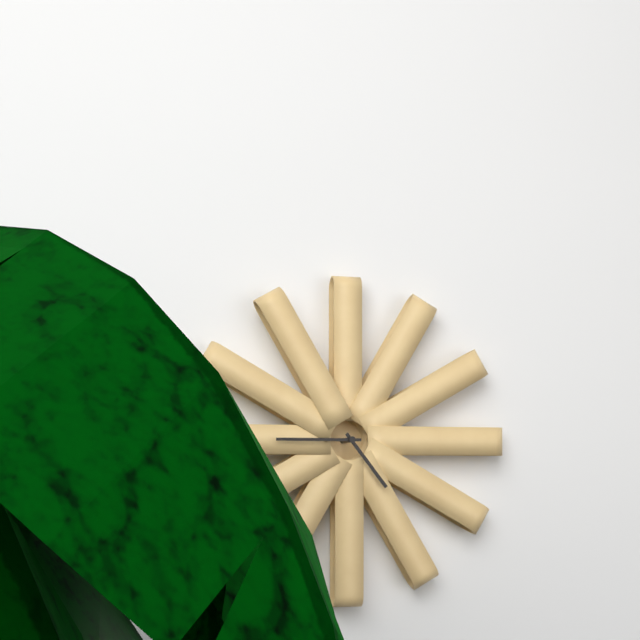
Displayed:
4.45
